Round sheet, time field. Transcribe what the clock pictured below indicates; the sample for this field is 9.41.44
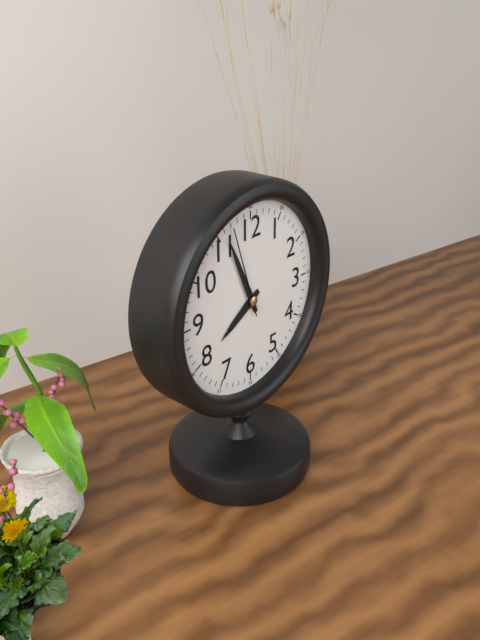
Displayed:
7.56.57
